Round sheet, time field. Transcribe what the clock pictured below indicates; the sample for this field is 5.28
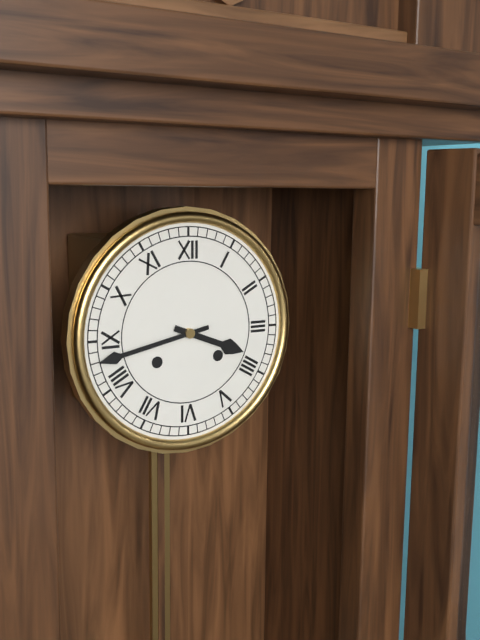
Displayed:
3.43
